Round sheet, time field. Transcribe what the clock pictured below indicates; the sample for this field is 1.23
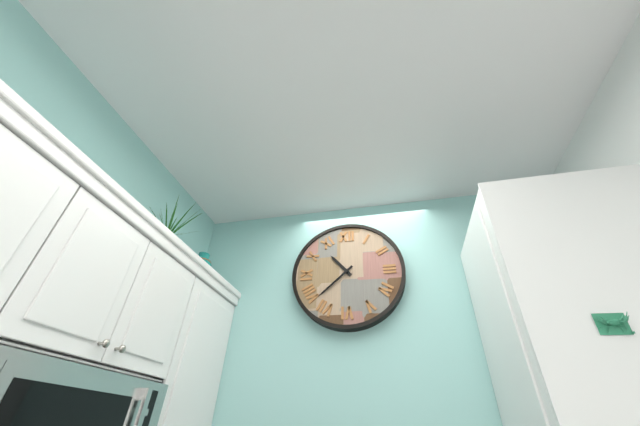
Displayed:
10.38
